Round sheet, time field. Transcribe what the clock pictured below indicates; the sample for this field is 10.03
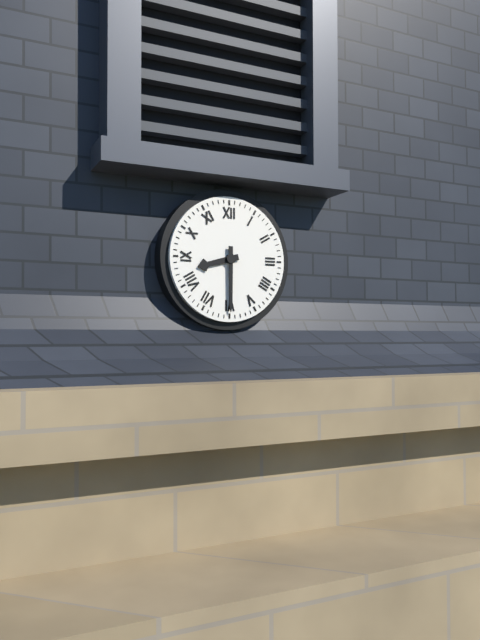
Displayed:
8.30
